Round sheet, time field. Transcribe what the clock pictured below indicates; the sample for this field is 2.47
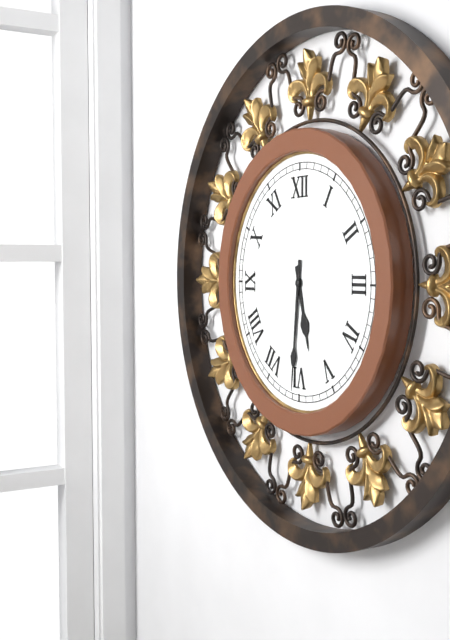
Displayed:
5.31
